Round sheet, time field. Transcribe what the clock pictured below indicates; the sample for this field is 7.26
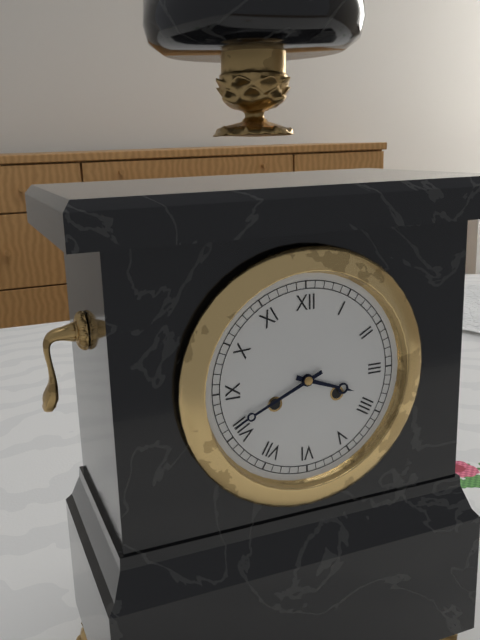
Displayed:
3.41
